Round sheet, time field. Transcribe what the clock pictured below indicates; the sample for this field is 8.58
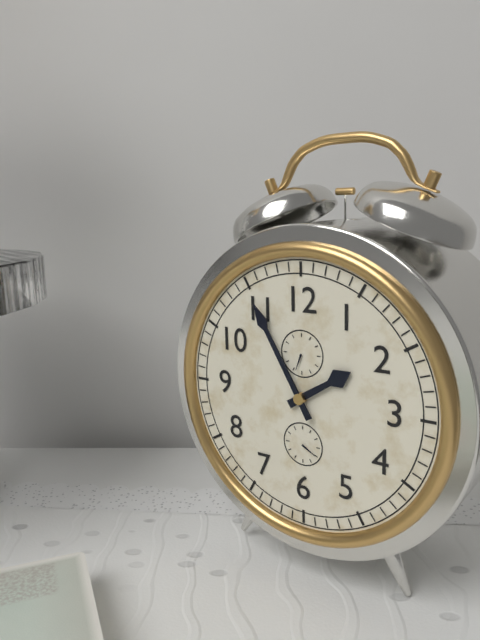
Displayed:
1.55
